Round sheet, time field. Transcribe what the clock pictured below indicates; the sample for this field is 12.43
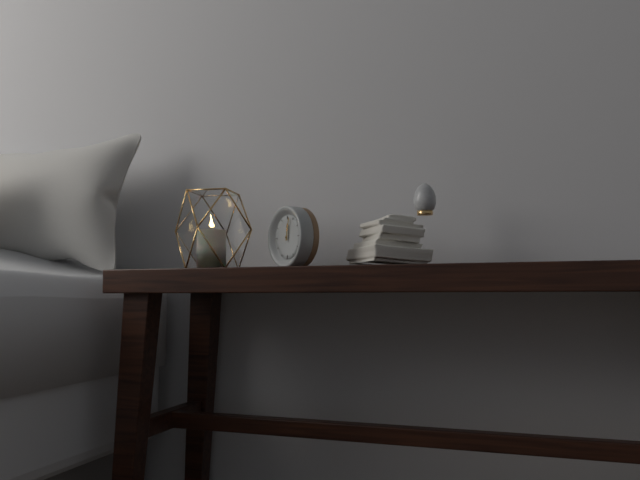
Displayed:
12.02
